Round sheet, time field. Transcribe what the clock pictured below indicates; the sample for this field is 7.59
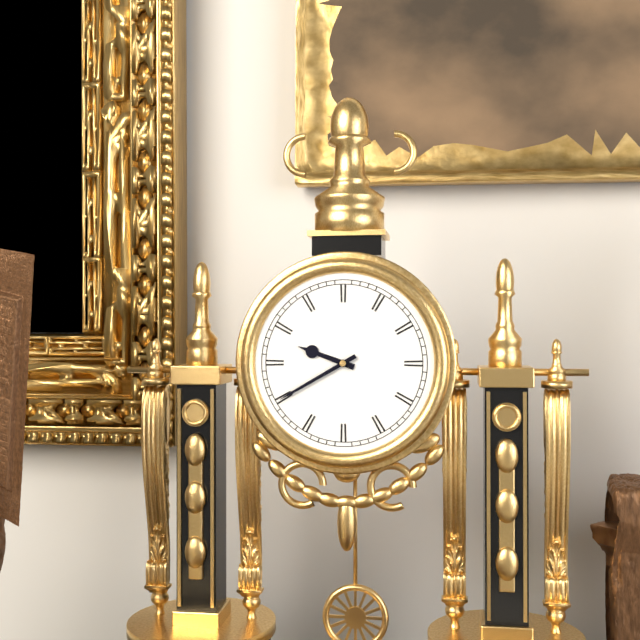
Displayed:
9.40
